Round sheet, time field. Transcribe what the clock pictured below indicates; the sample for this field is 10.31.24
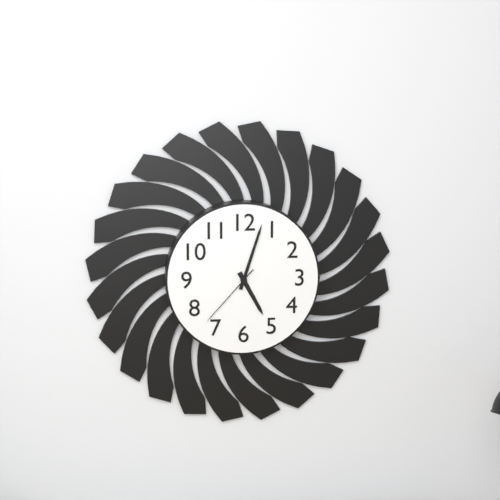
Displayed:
5.03.37
